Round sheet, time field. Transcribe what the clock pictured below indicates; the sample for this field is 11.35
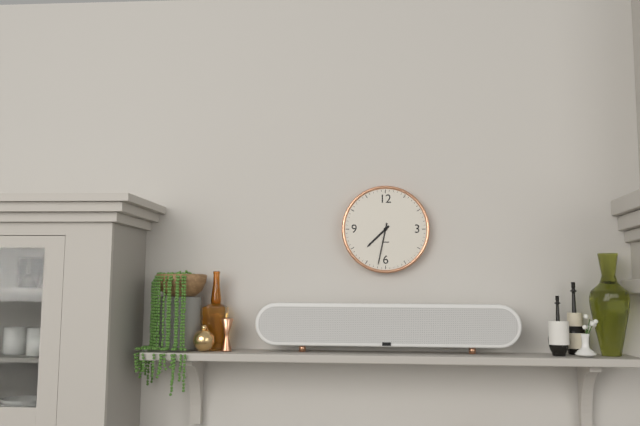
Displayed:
7.32
